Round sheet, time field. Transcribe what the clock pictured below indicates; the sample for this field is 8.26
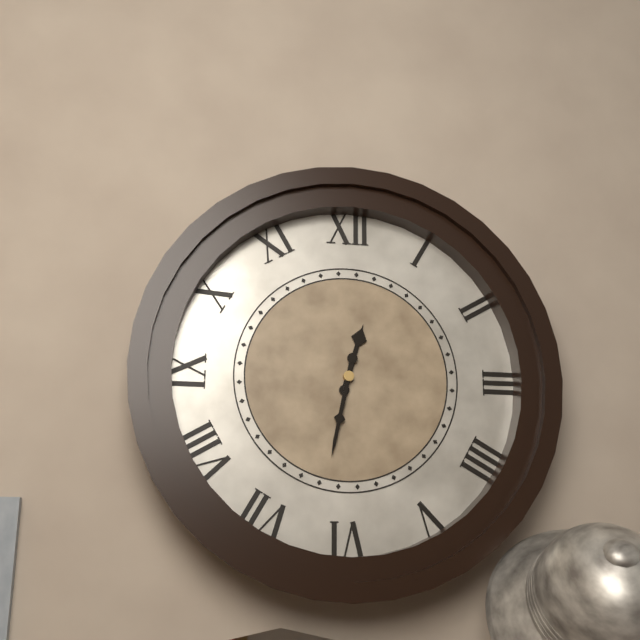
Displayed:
12.32
